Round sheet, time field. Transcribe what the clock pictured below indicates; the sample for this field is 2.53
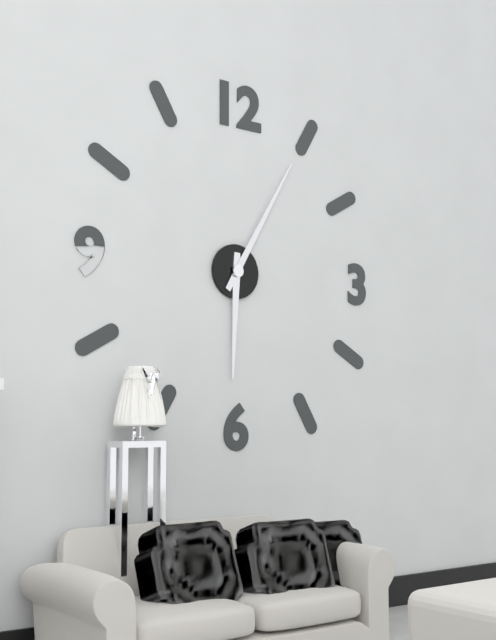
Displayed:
6.05
